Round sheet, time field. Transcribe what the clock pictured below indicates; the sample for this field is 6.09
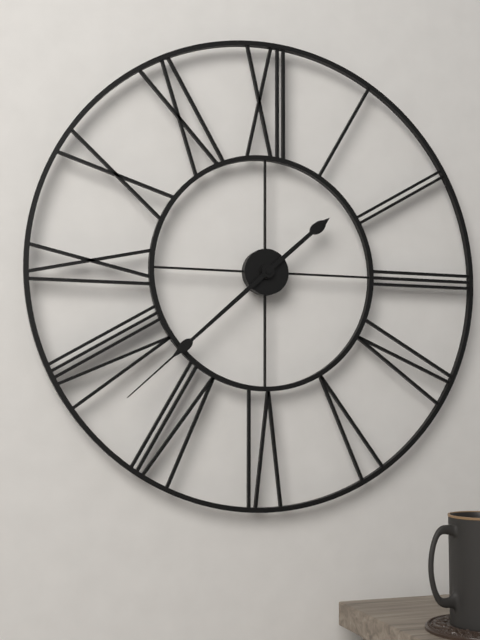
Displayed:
1.38
